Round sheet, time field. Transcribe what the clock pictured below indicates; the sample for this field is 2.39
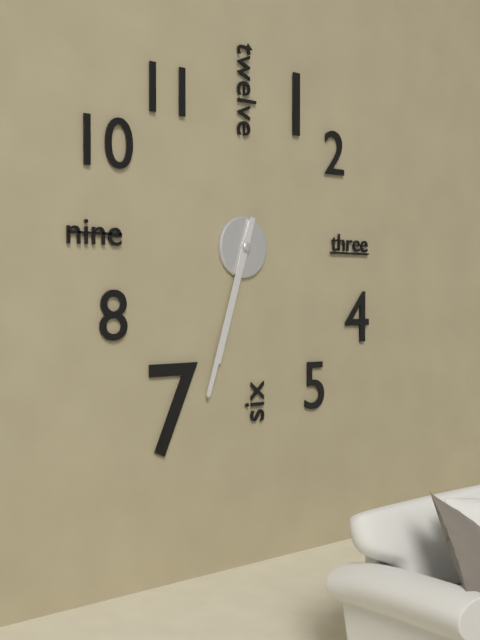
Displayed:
6.33
